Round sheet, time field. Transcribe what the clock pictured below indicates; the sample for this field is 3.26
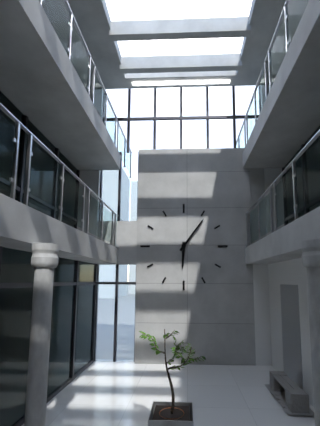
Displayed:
6.06
